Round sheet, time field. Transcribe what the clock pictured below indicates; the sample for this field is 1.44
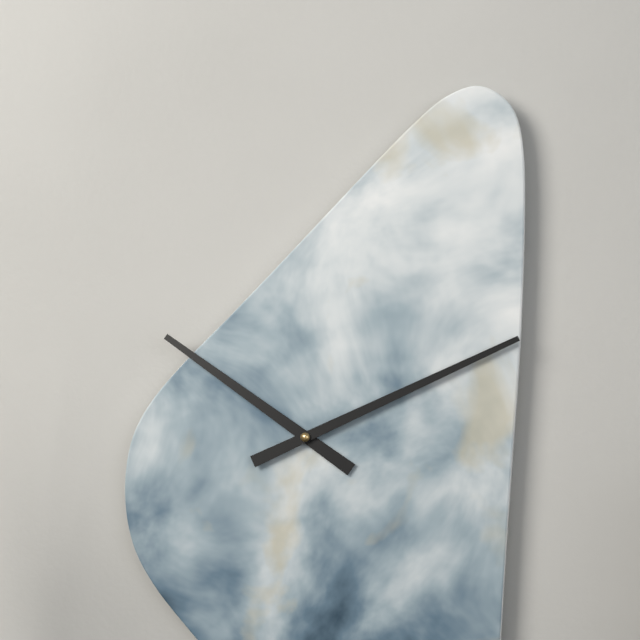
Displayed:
10.11
